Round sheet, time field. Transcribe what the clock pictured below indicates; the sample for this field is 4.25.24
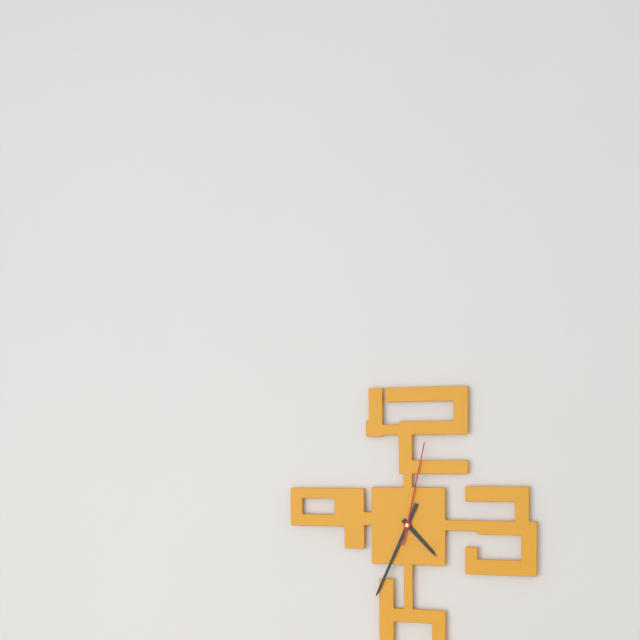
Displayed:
4.34.02
